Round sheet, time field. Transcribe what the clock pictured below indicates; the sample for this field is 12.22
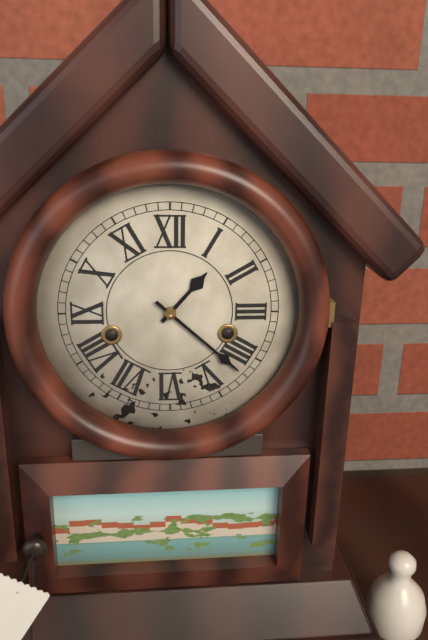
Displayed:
1.22
